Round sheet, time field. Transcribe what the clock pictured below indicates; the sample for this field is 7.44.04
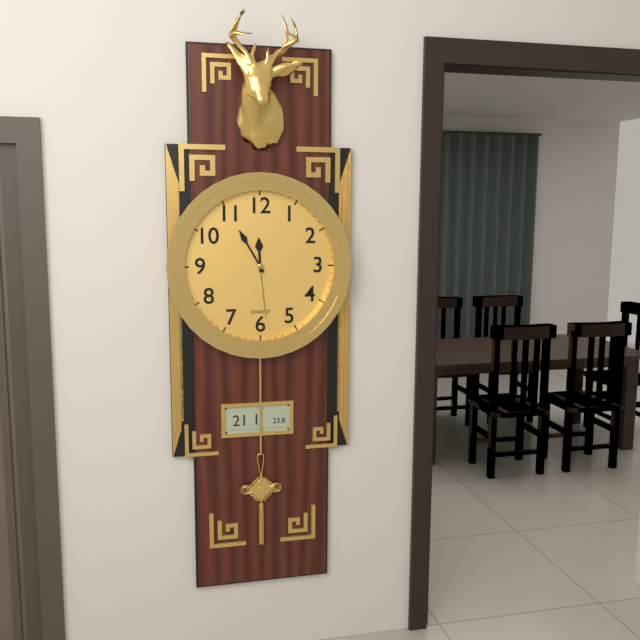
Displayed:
11.55.29
